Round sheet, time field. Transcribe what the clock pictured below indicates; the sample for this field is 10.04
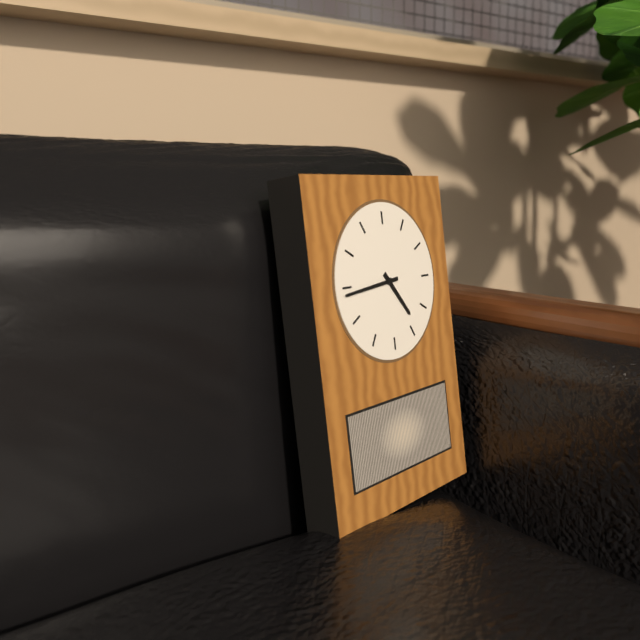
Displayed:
4.44
